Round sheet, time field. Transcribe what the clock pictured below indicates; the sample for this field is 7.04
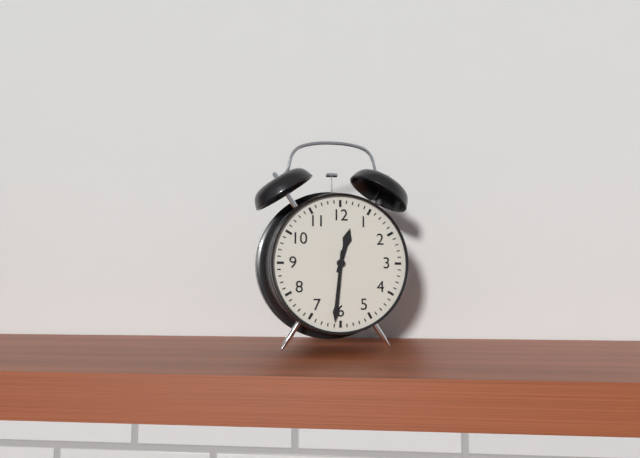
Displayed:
12.31
